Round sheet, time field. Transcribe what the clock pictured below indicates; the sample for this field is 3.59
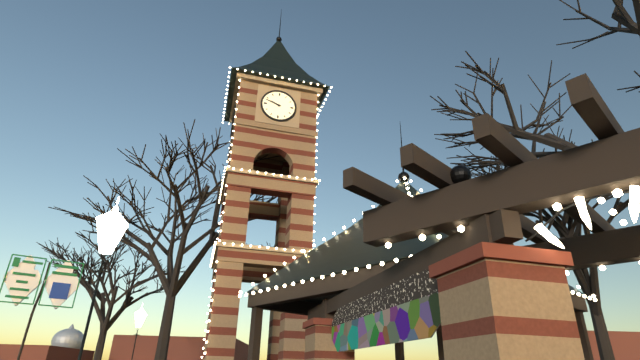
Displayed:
9.48
